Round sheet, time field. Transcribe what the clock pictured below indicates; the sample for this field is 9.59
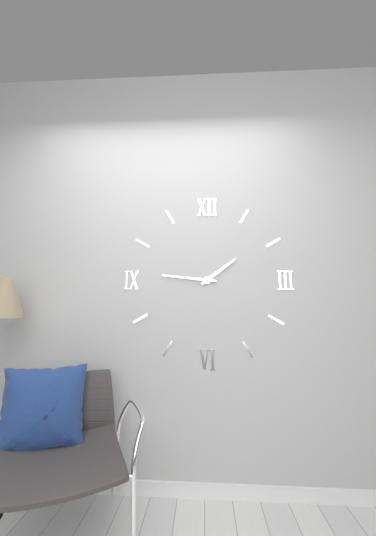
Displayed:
1.46
